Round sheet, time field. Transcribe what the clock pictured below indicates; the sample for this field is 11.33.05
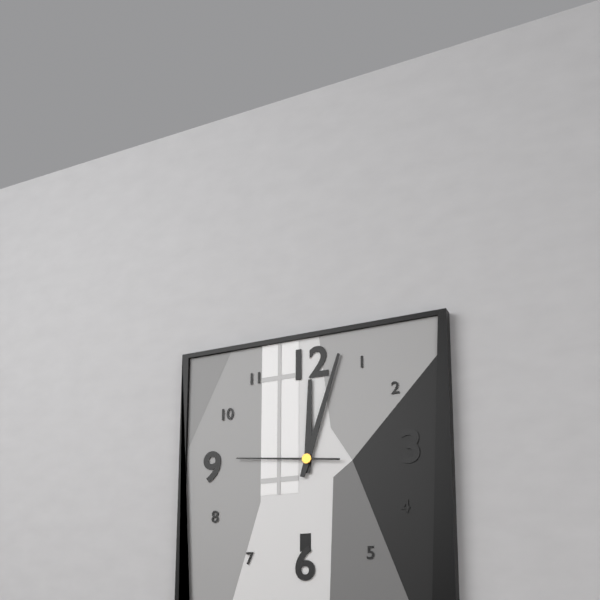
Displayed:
12.03.46
